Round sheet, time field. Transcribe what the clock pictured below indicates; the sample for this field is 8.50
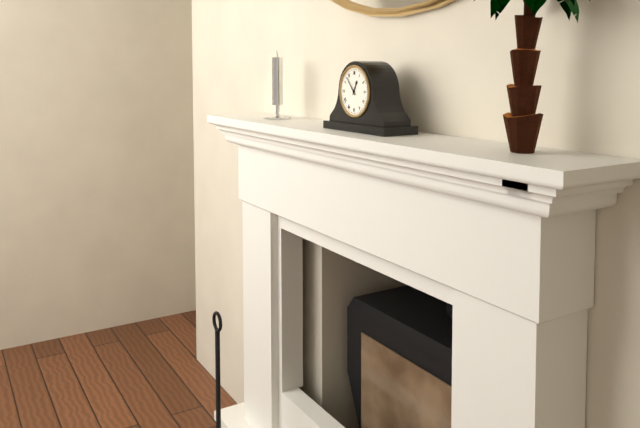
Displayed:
12.53
